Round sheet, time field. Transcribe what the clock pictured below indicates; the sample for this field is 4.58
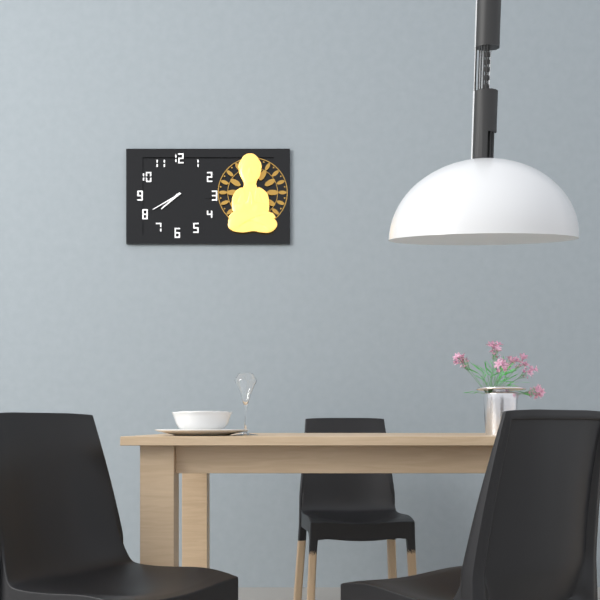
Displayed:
7.40
